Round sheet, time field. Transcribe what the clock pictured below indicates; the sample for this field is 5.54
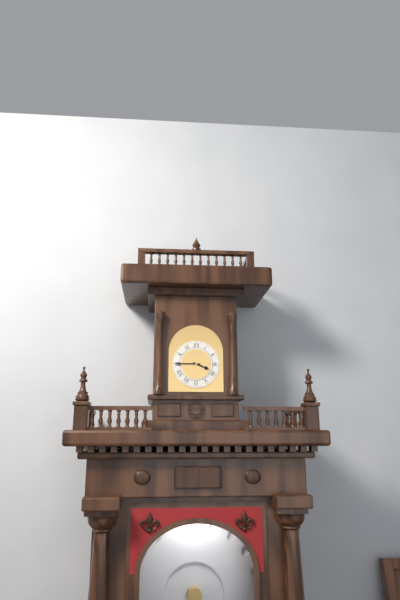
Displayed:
3.45
